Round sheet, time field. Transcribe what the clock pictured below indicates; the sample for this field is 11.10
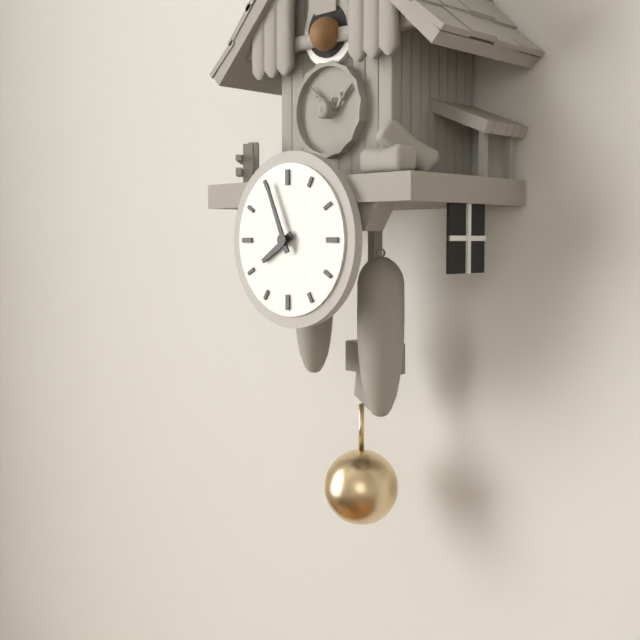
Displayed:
7.56
